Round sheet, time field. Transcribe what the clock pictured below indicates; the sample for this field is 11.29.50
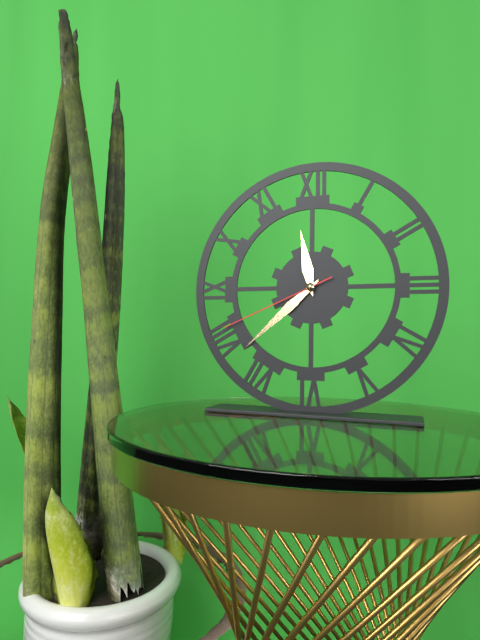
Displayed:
11.38.41
